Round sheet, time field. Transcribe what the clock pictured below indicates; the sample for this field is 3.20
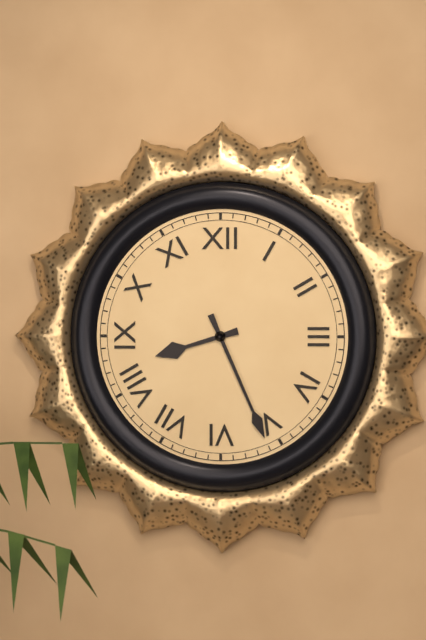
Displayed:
8.26
